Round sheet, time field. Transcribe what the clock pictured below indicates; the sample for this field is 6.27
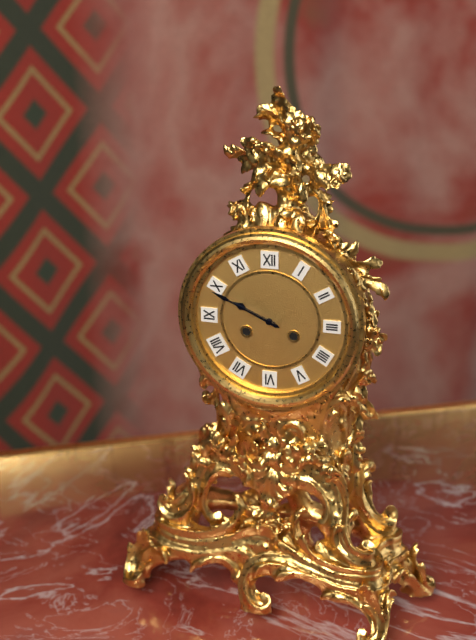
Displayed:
9.49
